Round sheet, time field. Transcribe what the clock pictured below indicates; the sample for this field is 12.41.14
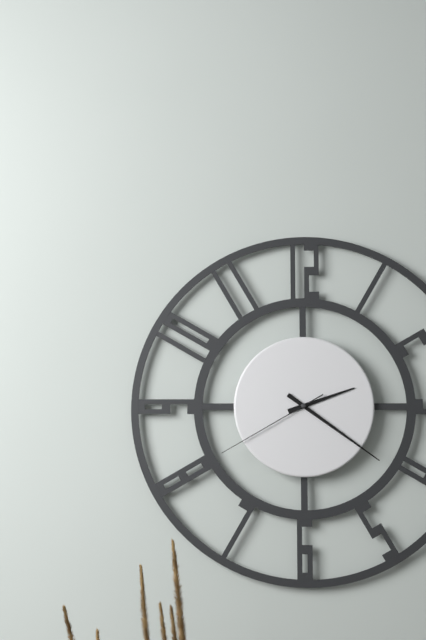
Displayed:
2.21.40
